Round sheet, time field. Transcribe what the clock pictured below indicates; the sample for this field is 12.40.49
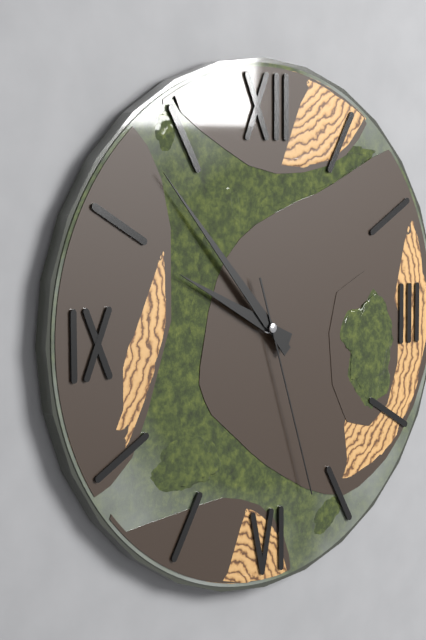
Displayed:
9.53.27
